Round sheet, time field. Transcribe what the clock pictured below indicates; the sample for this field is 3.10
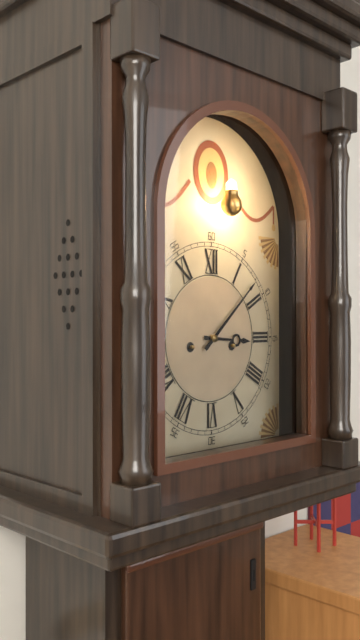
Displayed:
3.08
